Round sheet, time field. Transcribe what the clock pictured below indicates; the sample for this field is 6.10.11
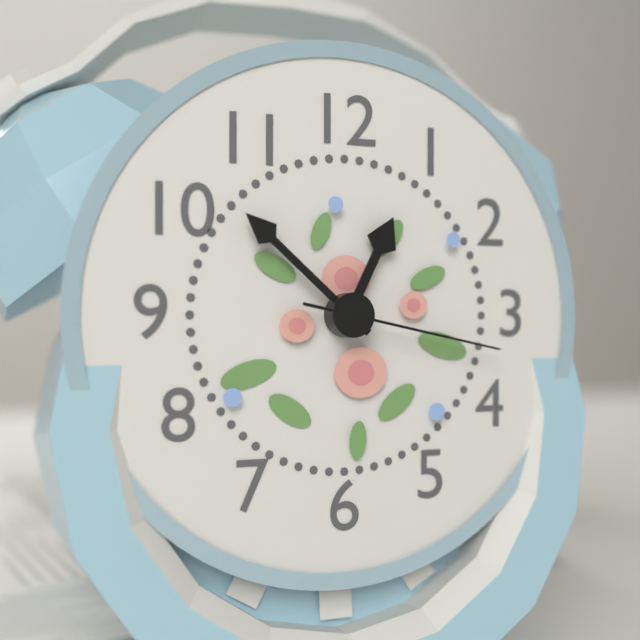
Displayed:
12.52.17
